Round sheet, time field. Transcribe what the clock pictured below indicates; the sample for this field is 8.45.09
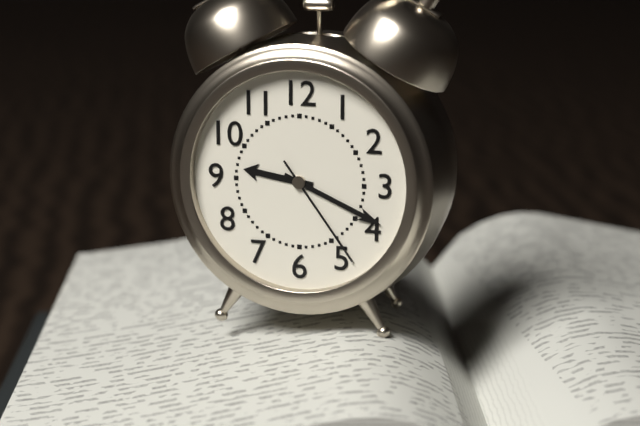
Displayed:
9.19.24
